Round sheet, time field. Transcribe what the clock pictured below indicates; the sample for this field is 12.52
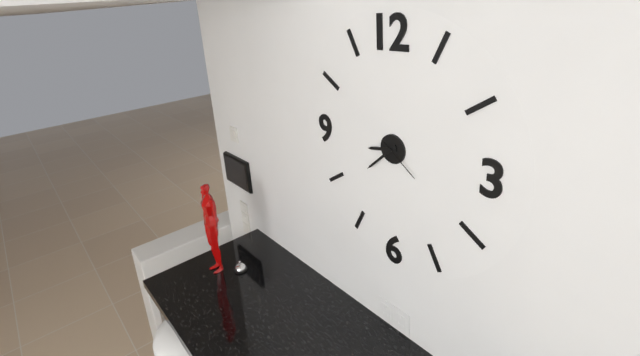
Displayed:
8.38
